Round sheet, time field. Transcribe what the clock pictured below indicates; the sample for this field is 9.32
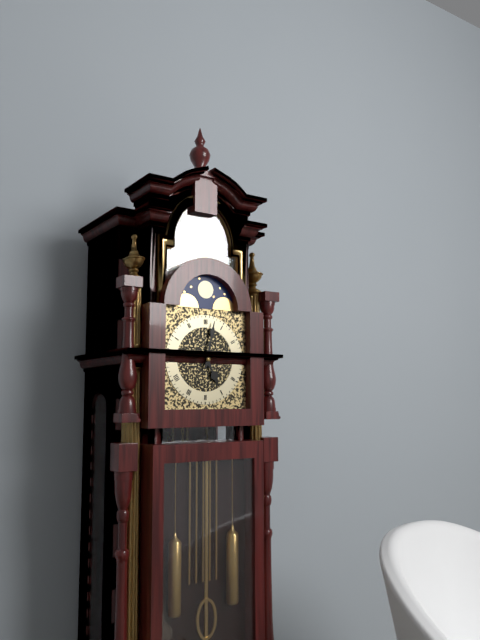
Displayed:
5.02
